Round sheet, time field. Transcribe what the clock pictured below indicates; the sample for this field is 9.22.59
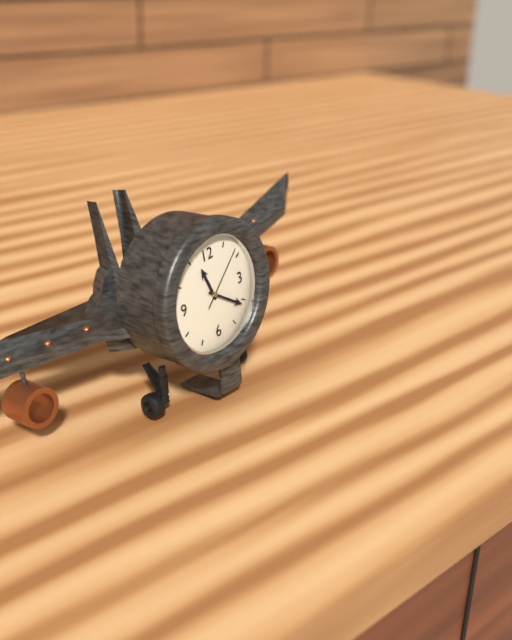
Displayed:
11.21.08
